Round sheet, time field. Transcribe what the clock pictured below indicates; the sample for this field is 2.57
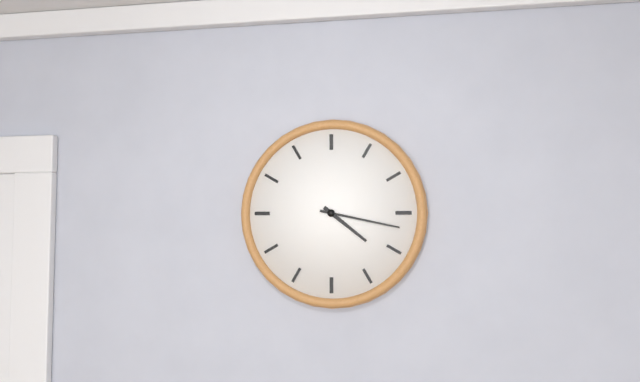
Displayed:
4.17
